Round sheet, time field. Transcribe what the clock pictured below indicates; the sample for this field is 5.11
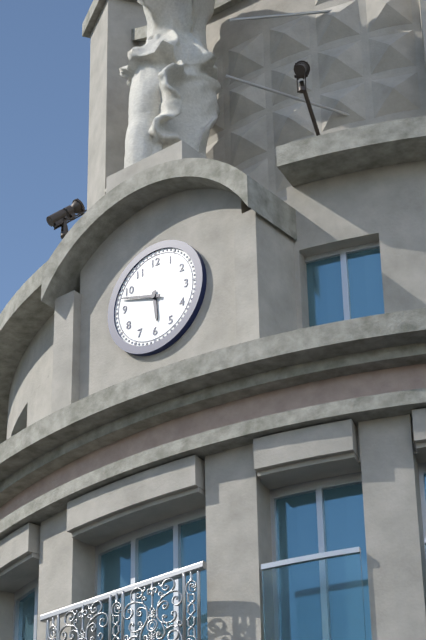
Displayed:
5.48
